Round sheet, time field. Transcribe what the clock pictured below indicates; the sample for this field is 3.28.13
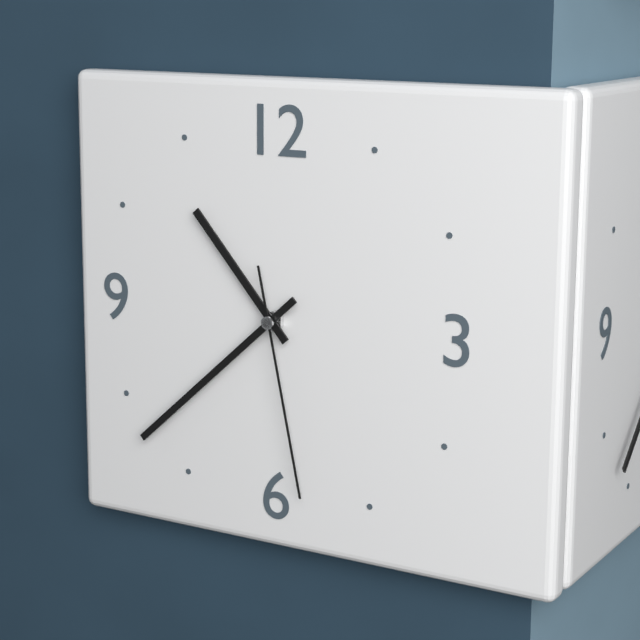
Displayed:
10.38.28
